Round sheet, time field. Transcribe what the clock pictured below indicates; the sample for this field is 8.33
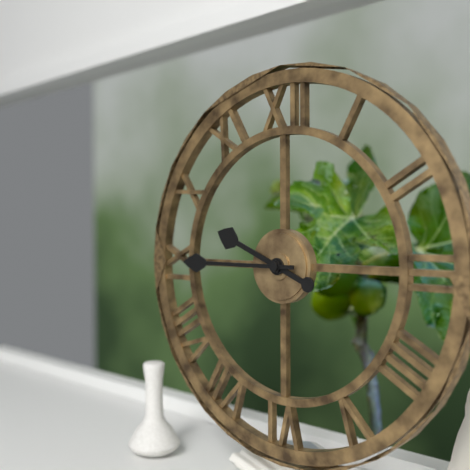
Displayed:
9.45
